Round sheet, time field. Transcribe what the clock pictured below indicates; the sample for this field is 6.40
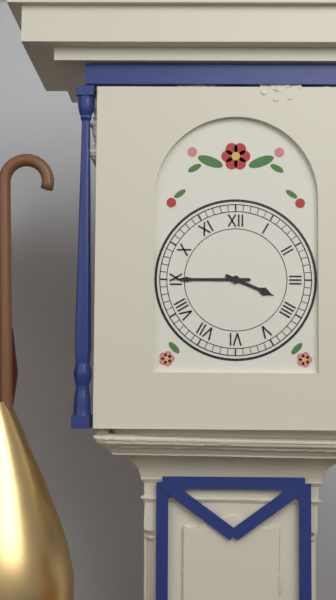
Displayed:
3.45
